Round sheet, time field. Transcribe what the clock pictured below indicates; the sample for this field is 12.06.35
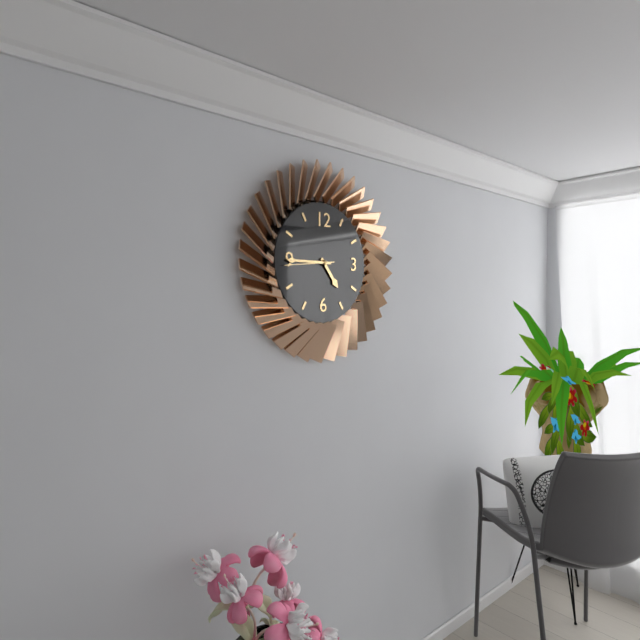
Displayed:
4.45.44
